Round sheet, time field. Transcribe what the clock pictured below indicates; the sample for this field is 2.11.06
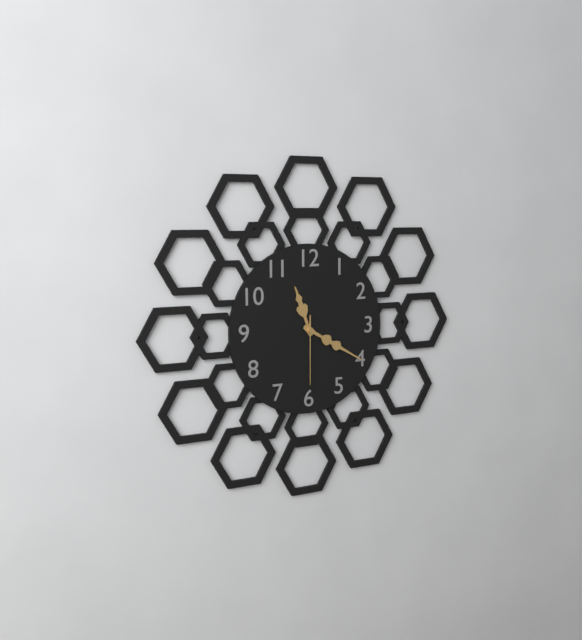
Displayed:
11.20.30
